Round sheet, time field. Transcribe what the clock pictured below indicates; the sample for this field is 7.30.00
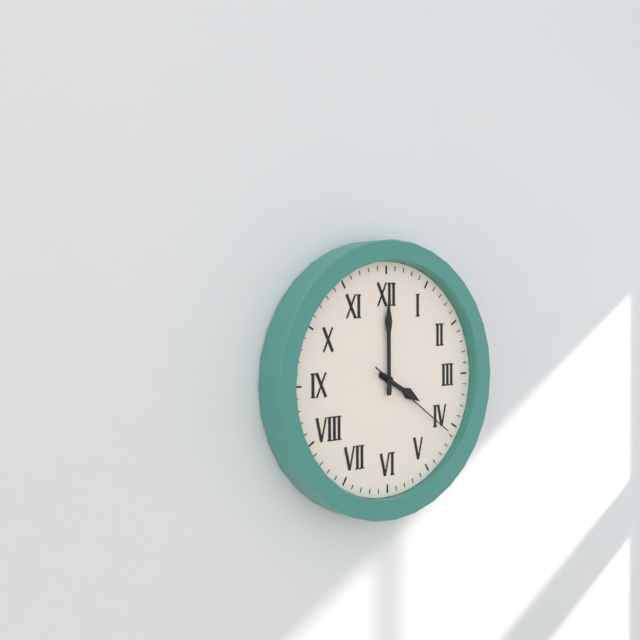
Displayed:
4.00.21
